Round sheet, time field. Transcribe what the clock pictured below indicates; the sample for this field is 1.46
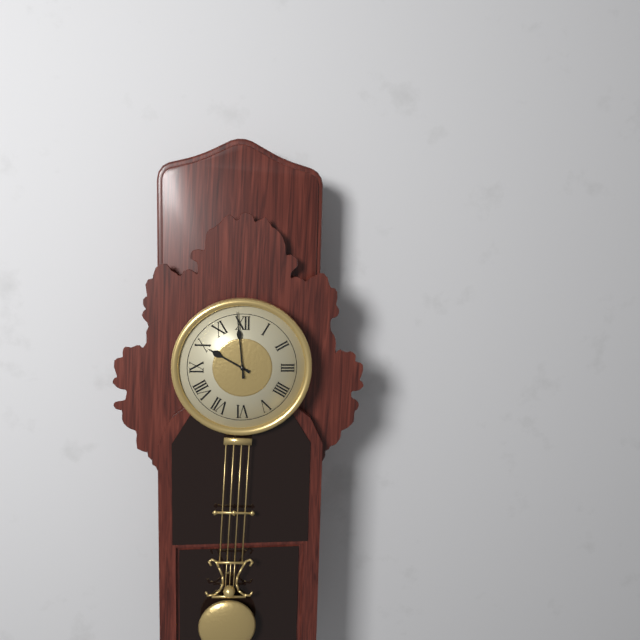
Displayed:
9.59
